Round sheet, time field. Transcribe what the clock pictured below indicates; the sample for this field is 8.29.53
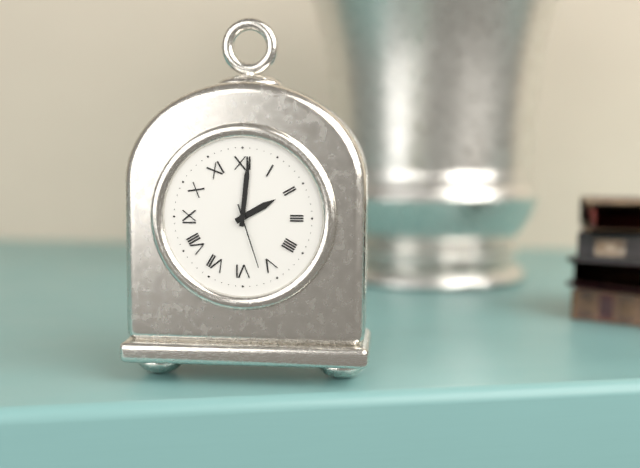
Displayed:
2.01.27
